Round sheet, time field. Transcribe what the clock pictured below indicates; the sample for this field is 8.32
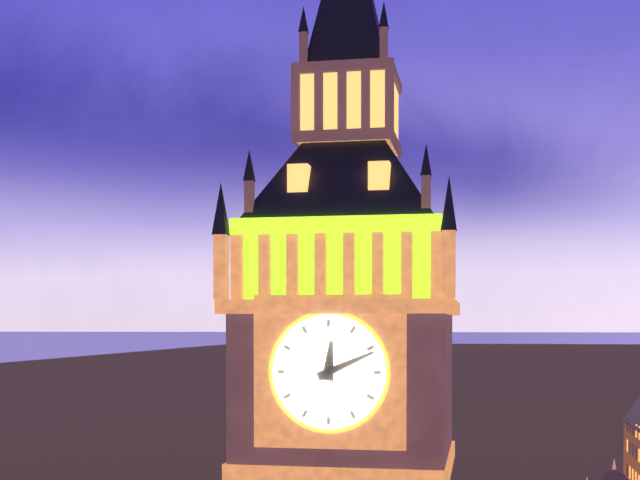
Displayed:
12.11
